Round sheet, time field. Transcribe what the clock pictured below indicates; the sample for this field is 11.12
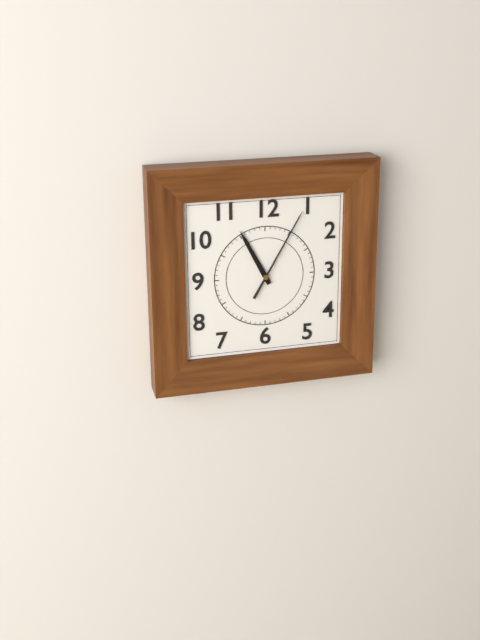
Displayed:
11.05
